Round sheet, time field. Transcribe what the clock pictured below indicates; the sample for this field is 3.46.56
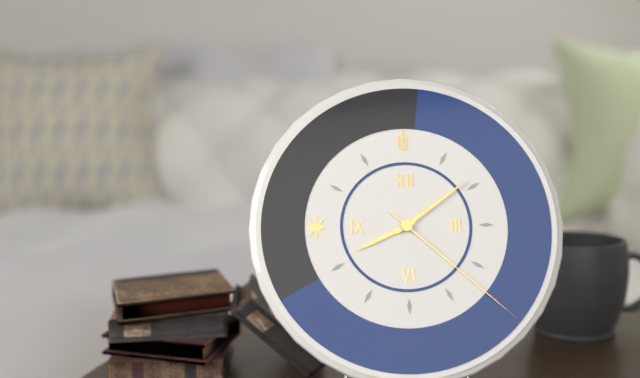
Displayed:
8.09.22
